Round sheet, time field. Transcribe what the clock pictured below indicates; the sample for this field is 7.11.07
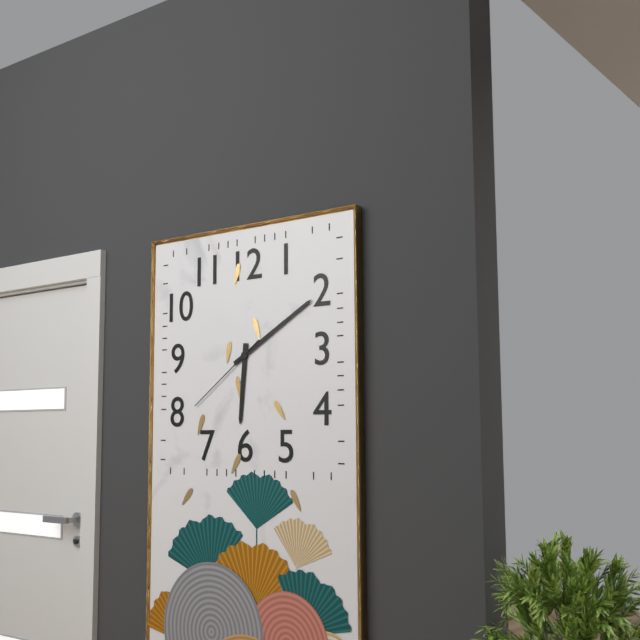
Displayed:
6.10.39
